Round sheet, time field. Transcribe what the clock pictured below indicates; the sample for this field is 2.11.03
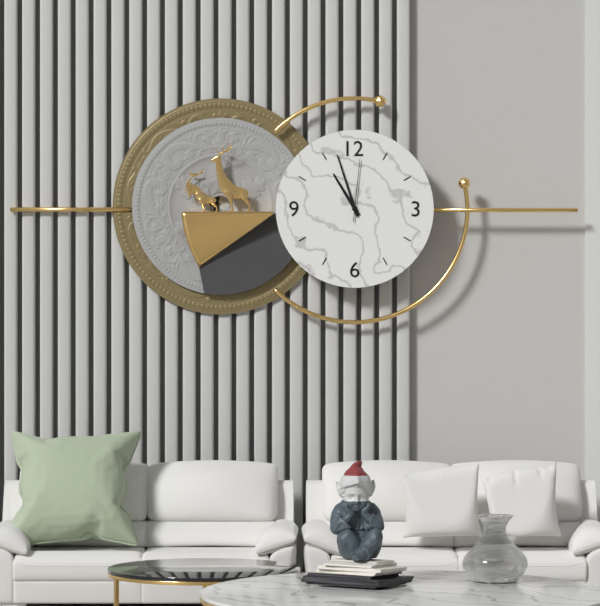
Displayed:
10.57.01
